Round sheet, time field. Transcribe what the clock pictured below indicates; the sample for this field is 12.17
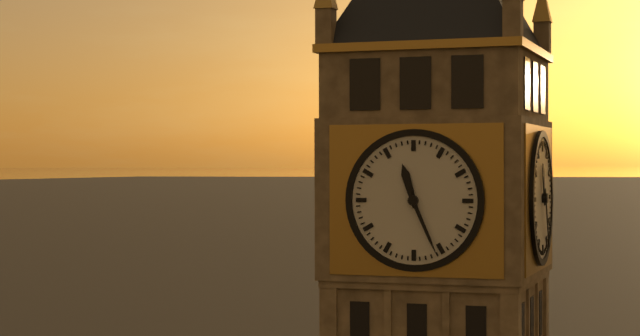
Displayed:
11.26
